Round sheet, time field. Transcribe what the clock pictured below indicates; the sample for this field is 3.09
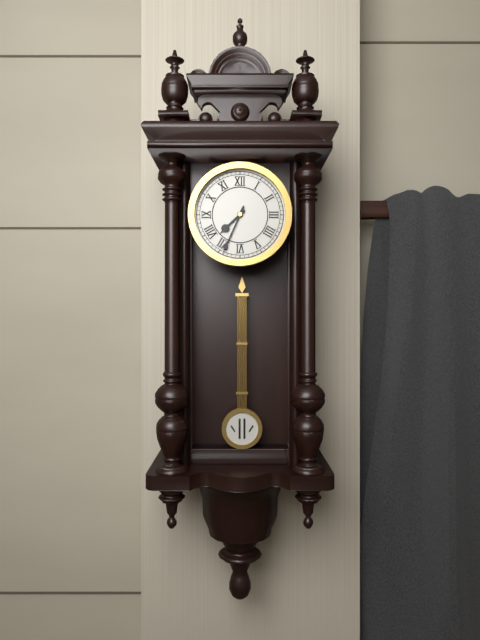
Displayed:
7.34
